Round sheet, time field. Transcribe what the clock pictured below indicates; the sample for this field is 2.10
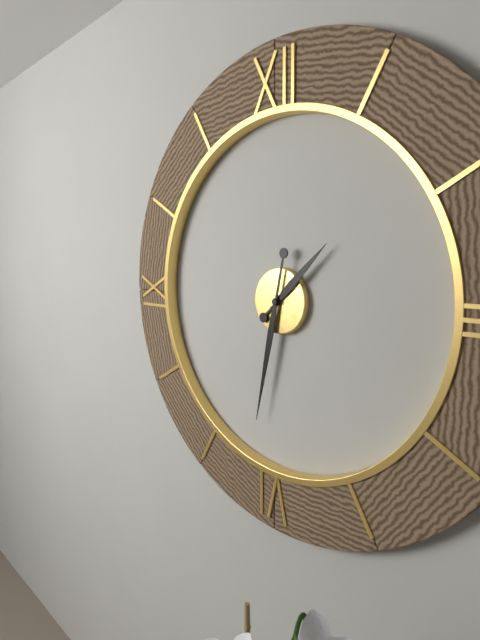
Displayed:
1.32
